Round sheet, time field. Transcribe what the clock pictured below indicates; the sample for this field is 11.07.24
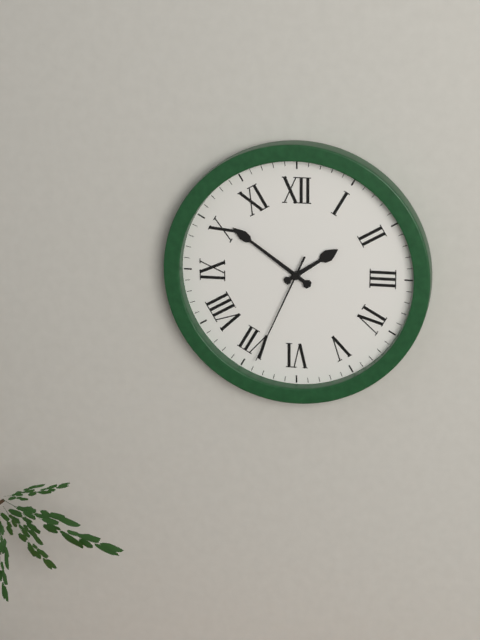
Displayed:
1.51.34
